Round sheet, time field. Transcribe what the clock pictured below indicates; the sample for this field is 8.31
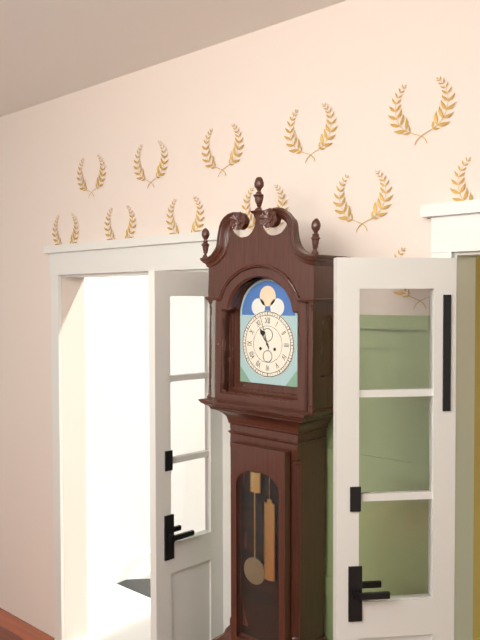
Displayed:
10.57
